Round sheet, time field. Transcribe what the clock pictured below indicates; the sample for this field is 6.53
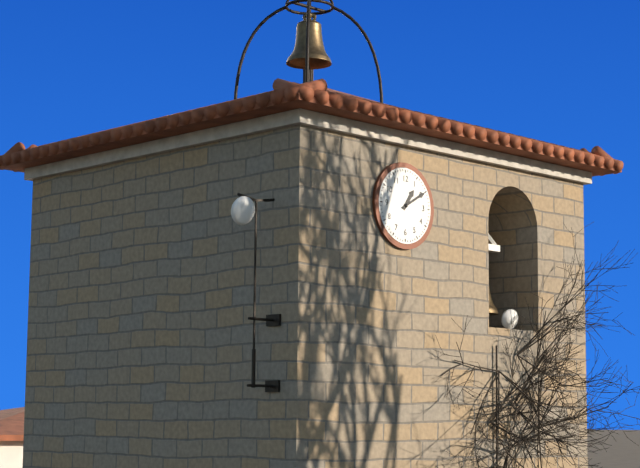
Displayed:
1.10
